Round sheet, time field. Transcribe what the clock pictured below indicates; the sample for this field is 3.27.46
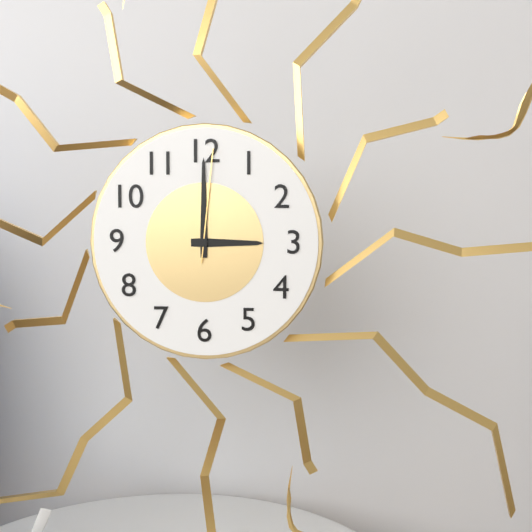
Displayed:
3.00.01
